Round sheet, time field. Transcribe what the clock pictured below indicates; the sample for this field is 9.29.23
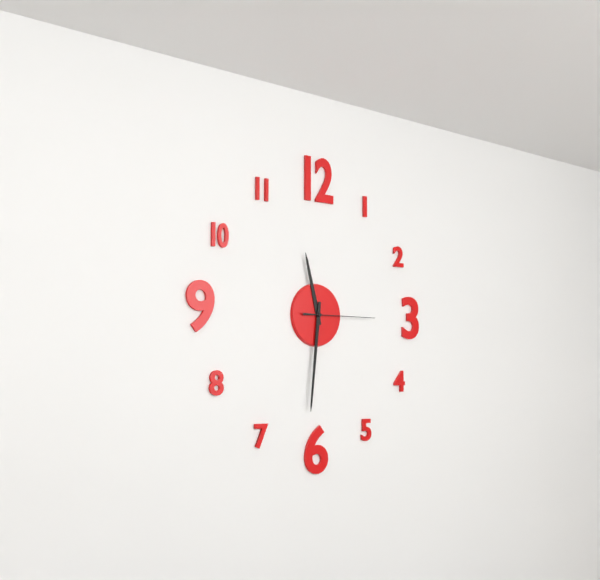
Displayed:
11.31.15
